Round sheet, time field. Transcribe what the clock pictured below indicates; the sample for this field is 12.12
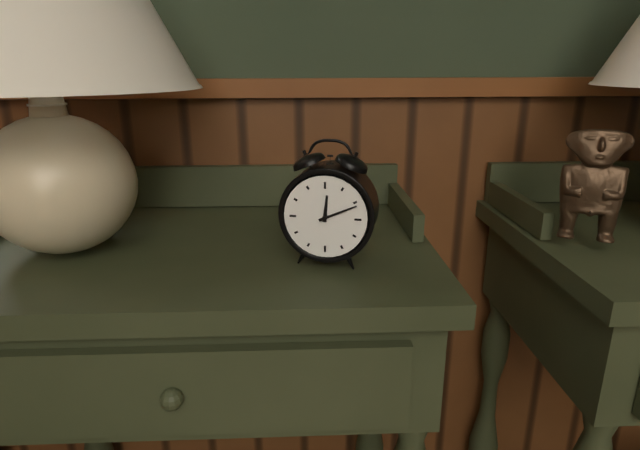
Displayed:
12.11
